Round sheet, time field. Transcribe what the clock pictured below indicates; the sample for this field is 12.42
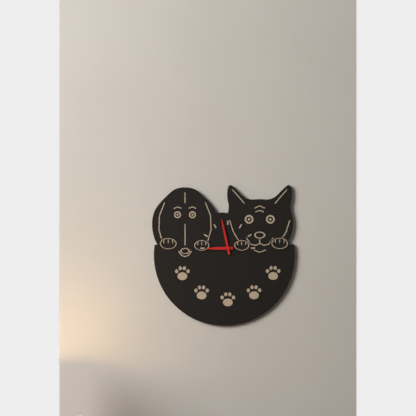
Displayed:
8.58
